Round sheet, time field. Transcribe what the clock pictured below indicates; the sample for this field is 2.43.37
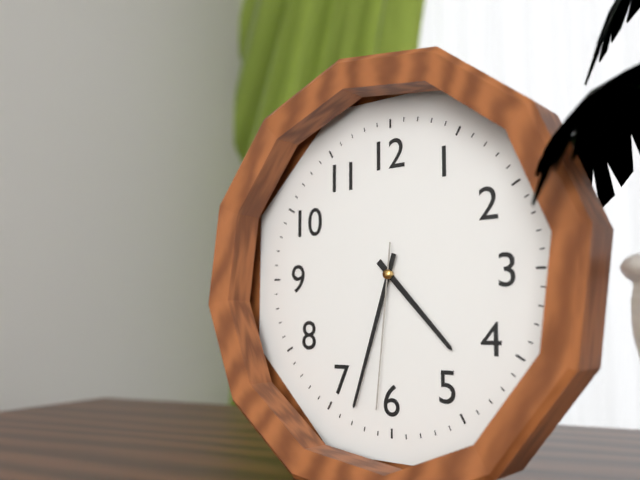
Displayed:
4.33.31
